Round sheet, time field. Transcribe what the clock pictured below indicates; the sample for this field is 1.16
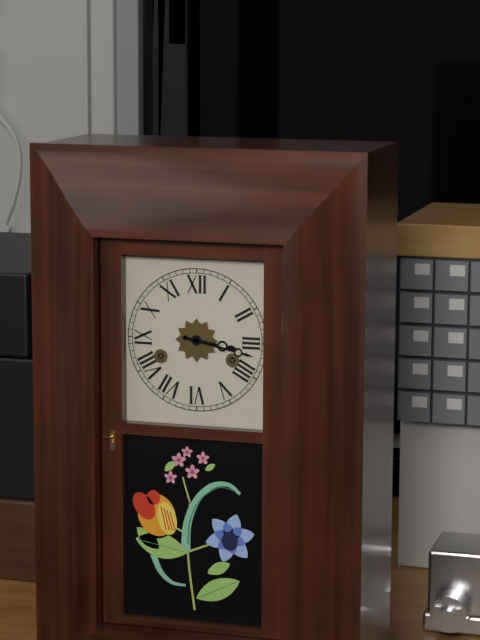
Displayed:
3.17
